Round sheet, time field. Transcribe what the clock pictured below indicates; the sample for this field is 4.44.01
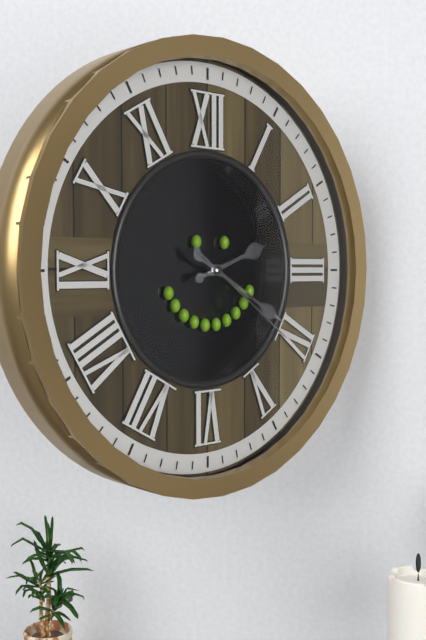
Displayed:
2.20.21
